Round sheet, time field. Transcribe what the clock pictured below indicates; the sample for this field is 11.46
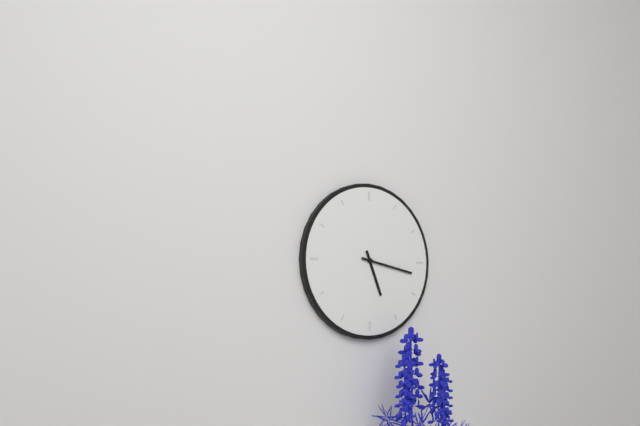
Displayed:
5.17
